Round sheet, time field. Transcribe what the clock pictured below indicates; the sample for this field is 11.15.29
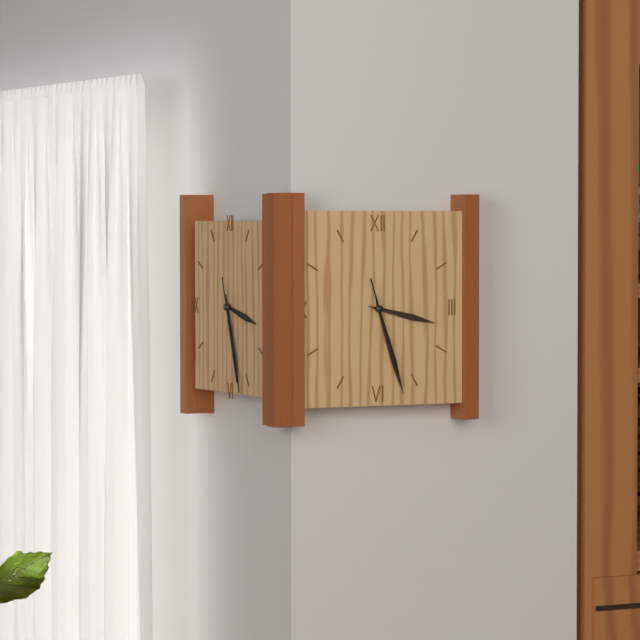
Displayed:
3.27.27
